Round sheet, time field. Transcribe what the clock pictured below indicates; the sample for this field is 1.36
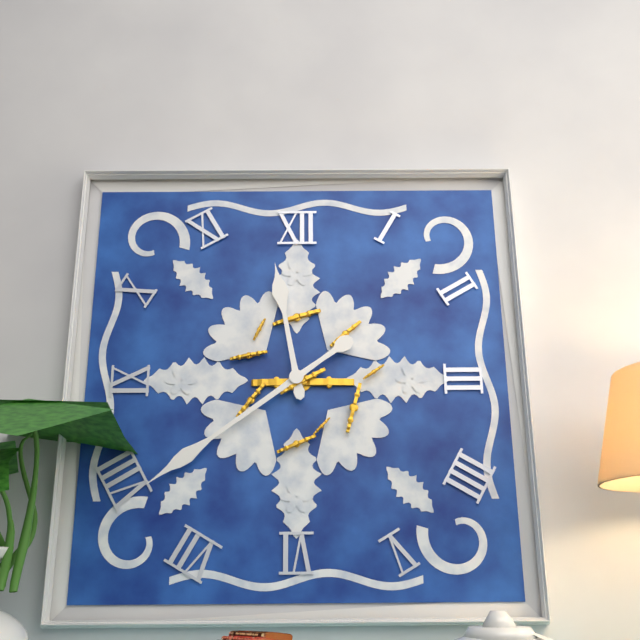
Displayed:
11.39
